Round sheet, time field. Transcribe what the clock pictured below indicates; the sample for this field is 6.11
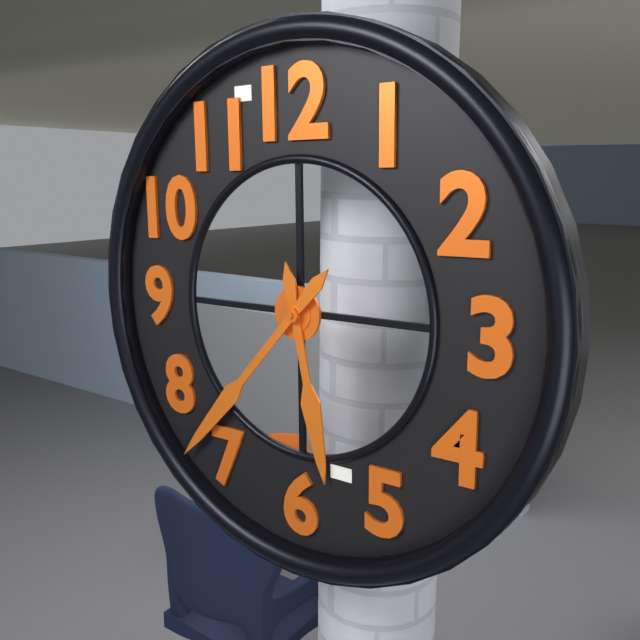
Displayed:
5.37
